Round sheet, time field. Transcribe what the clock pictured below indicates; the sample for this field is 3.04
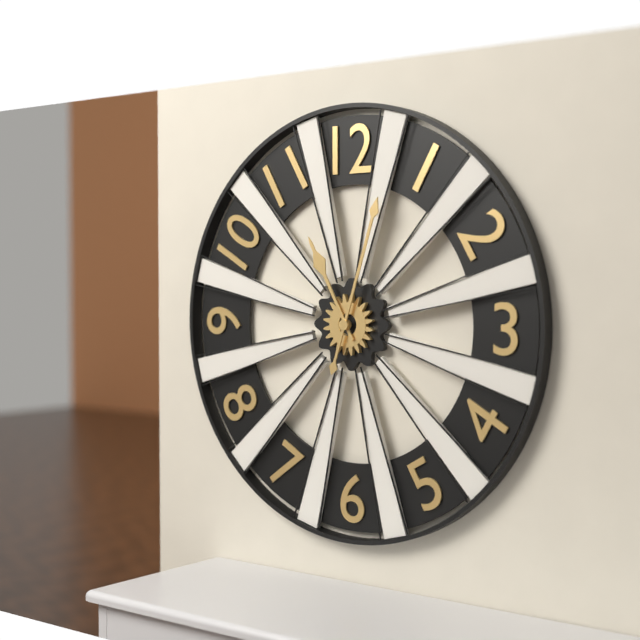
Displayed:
11.03
